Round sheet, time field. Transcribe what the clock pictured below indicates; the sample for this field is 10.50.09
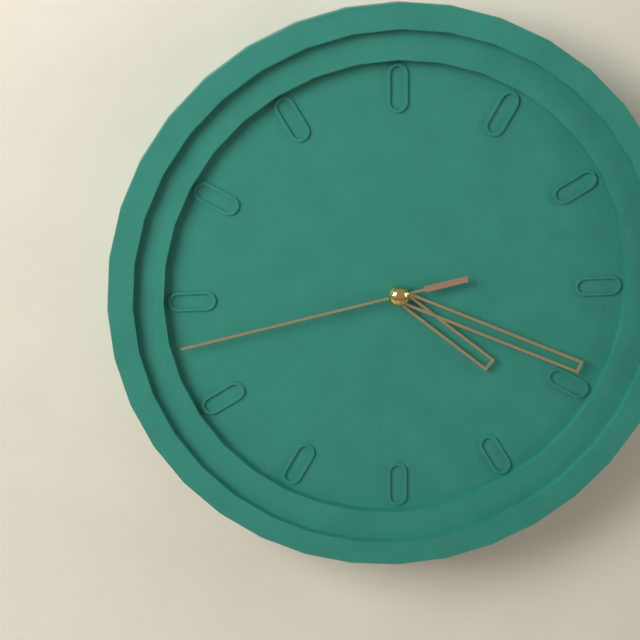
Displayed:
4.19.43
